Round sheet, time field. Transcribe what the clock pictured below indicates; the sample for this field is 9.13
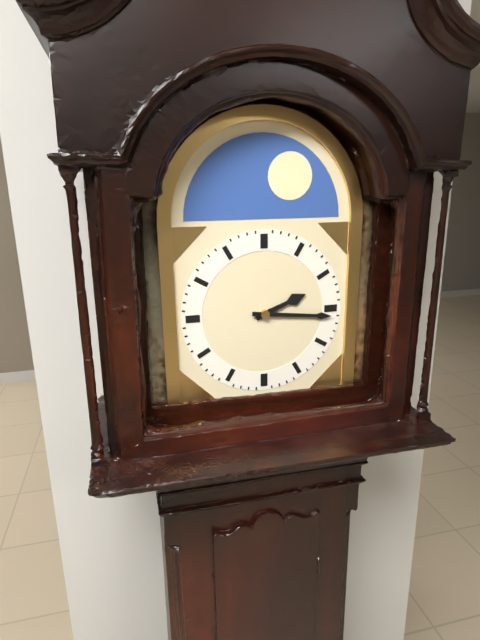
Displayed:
2.16
